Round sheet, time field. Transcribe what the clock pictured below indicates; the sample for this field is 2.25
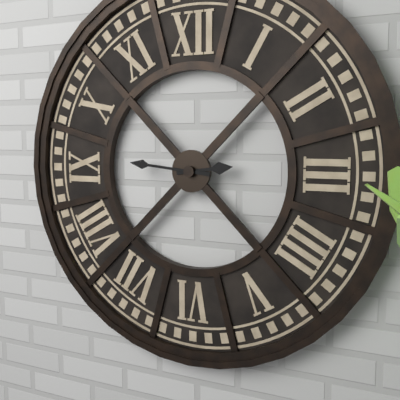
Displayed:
2.46
